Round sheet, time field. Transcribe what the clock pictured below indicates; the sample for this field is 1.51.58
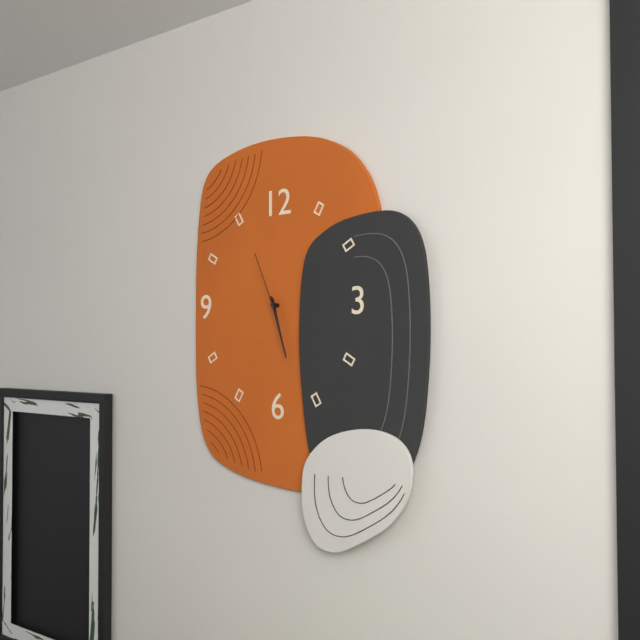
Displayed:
5.27.56
